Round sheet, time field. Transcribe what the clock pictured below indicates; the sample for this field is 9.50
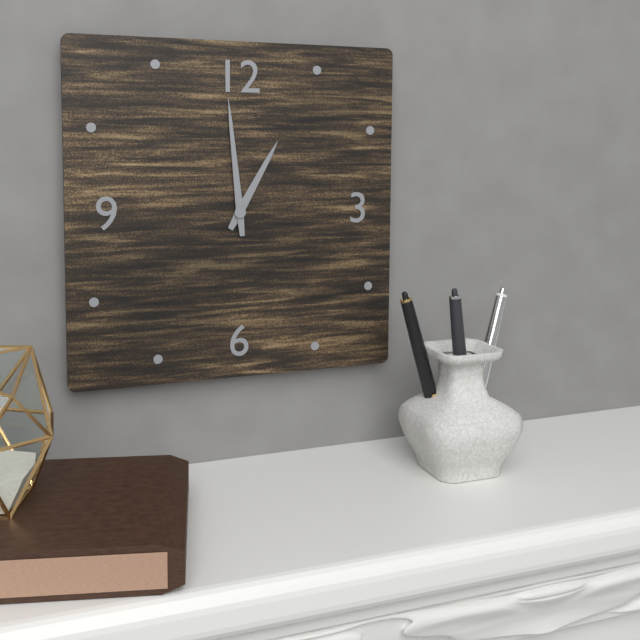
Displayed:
12.59
